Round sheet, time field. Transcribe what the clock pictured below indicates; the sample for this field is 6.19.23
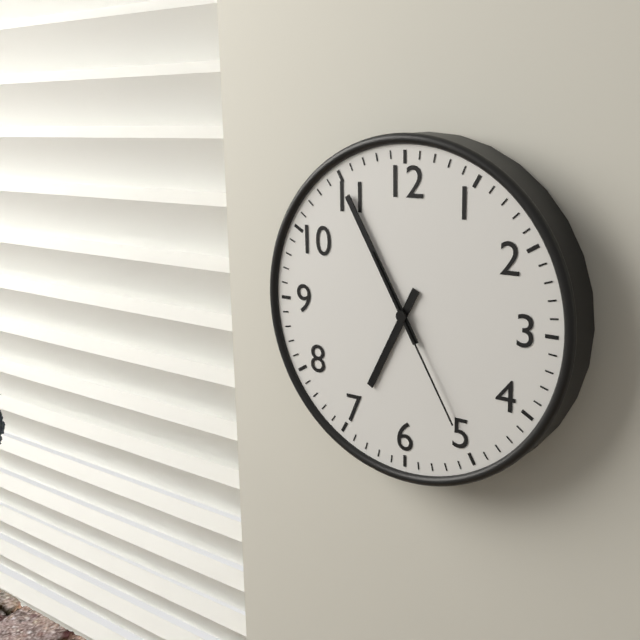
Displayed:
6.55.25
